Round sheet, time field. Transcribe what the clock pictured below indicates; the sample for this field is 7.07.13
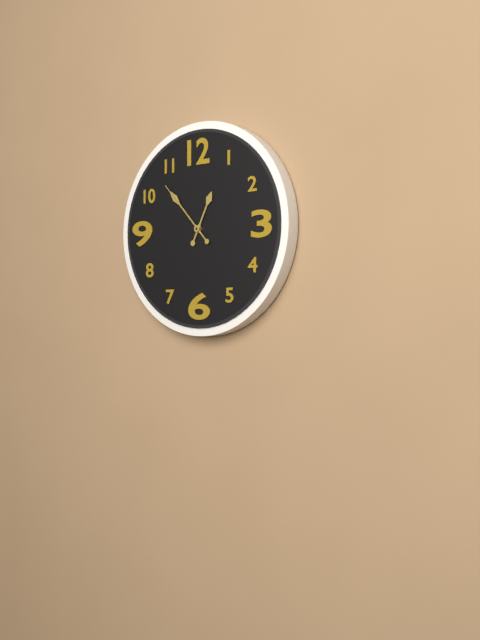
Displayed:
12.53.53
